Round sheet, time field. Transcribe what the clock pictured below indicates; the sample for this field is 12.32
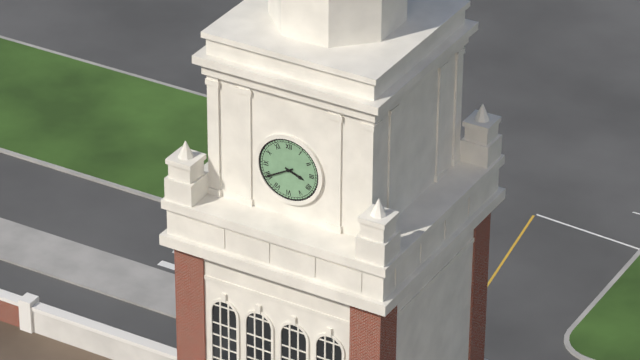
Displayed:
3.40
